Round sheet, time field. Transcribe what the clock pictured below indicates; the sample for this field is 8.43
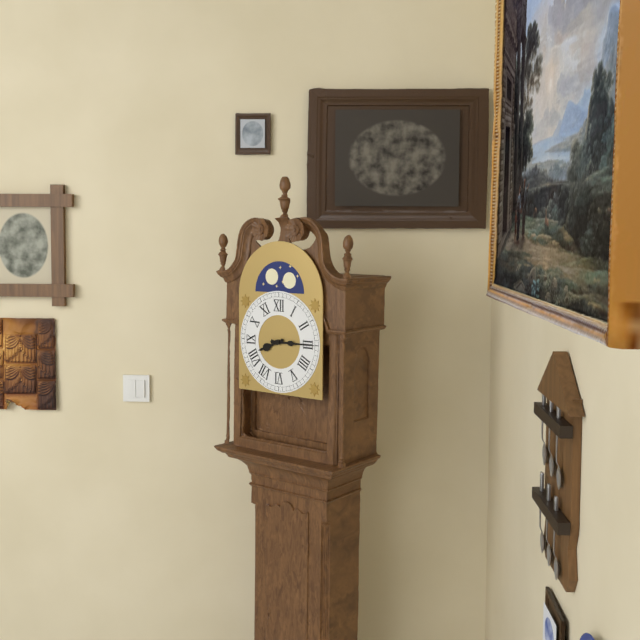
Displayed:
8.15
